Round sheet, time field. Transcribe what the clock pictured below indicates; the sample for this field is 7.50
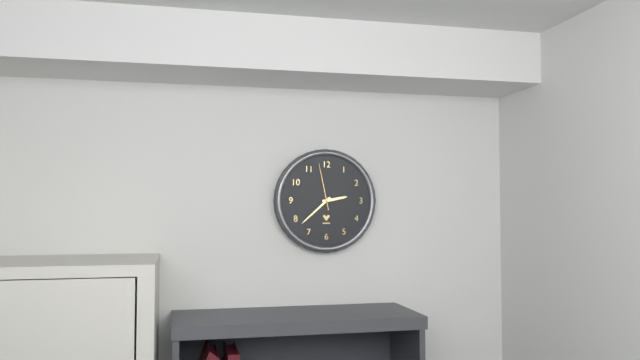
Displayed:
2.38
